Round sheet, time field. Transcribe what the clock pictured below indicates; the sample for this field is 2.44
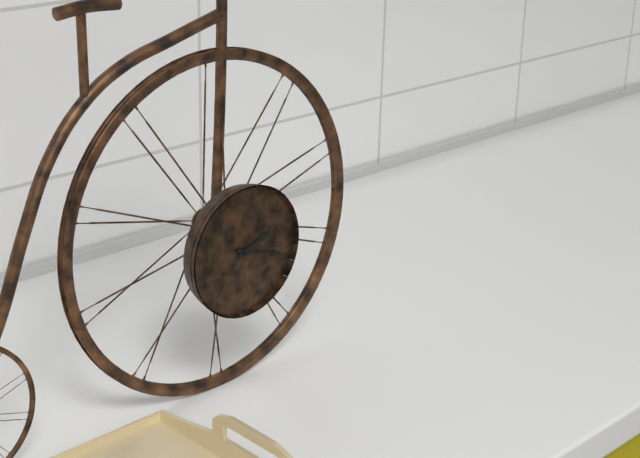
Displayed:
2.18
